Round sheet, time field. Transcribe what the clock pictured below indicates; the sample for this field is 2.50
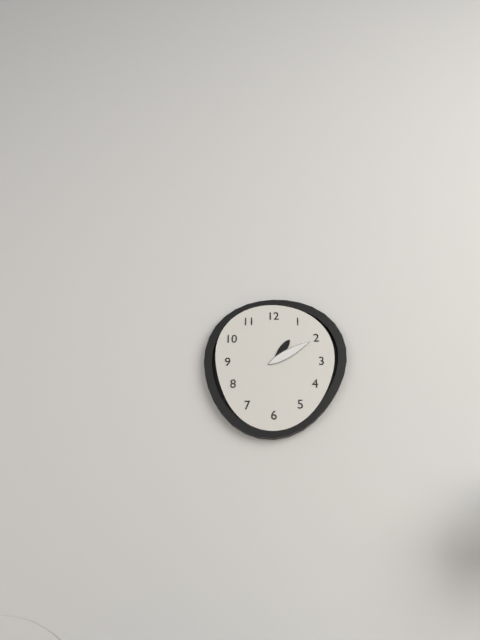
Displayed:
1.10
